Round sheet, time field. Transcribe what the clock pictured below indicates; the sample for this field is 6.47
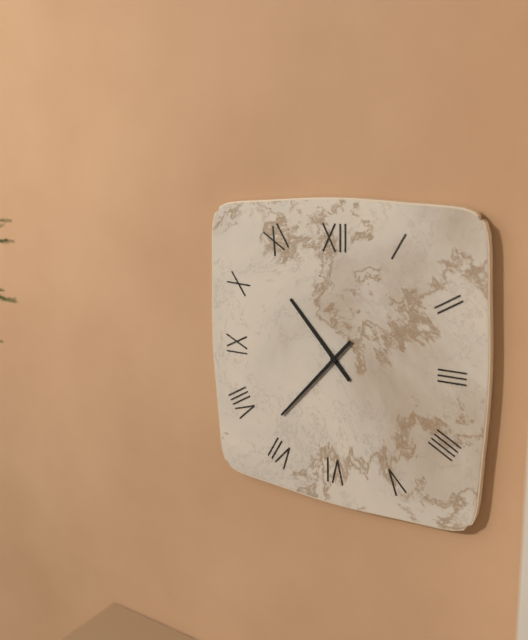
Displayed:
10.37
